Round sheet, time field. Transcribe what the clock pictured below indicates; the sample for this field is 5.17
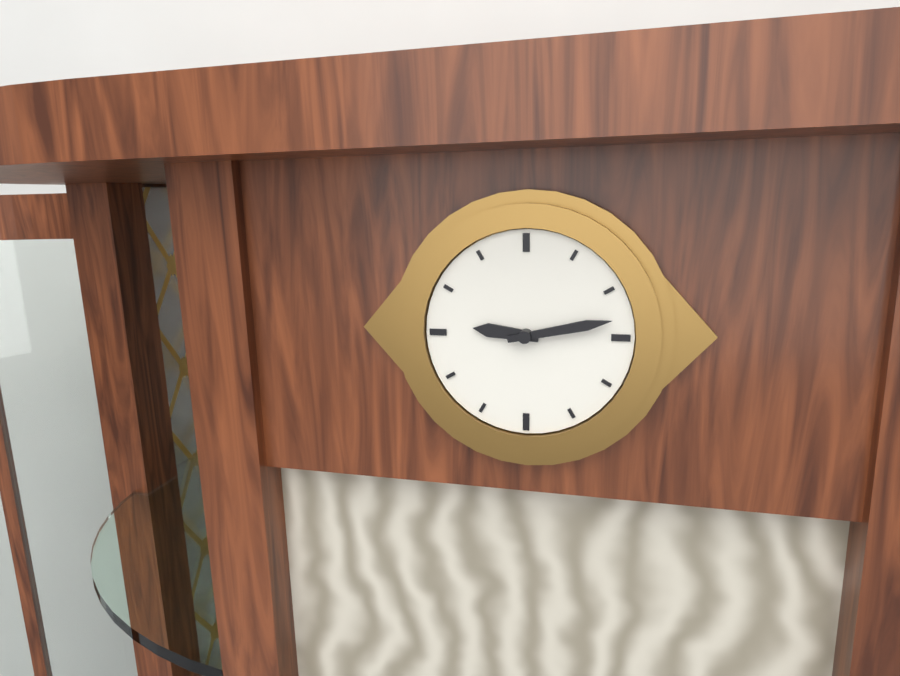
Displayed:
9.13
